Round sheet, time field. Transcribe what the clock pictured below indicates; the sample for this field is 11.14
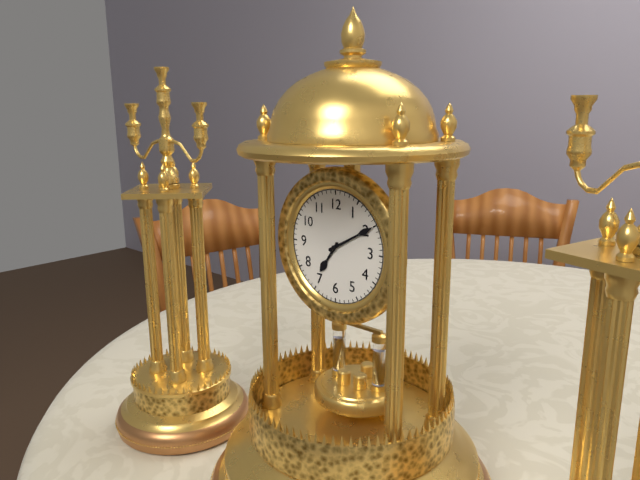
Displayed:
7.10
